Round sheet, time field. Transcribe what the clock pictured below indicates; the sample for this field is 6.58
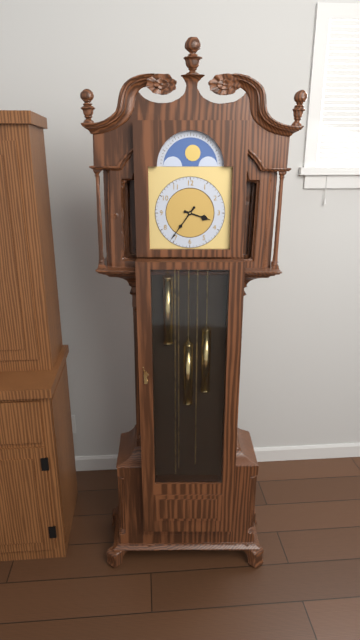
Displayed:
3.36
